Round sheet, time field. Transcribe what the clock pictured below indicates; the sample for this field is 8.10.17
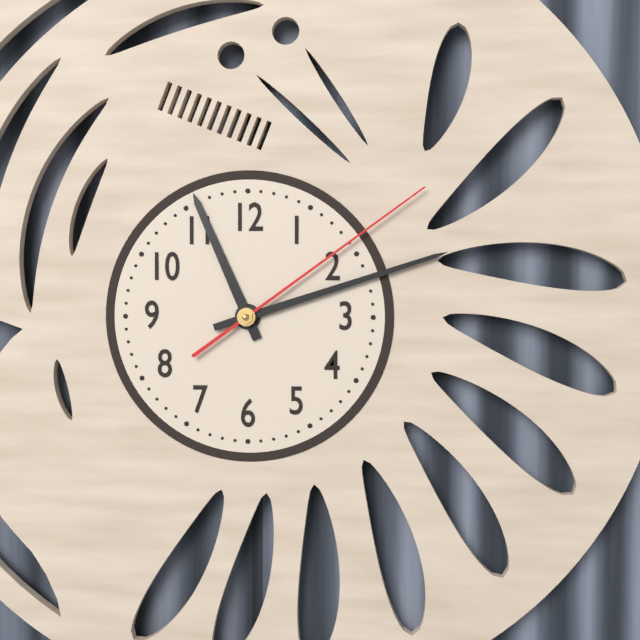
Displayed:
11.12.09
